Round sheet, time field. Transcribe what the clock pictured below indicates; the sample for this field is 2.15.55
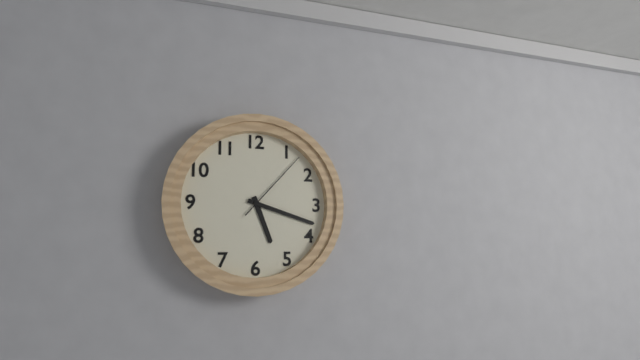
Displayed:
5.18.07
